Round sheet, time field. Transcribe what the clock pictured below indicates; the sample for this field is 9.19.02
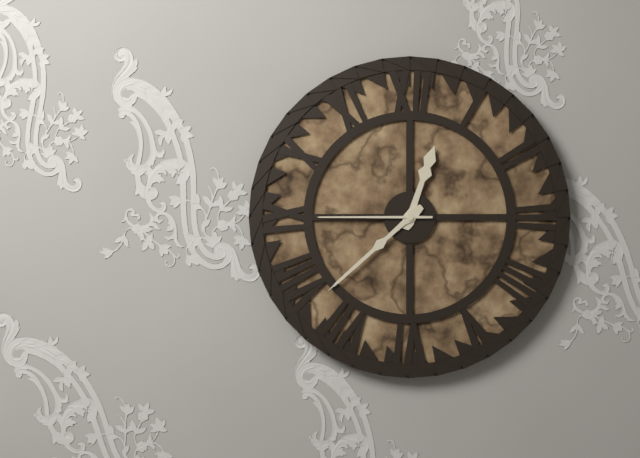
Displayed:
12.38.45
